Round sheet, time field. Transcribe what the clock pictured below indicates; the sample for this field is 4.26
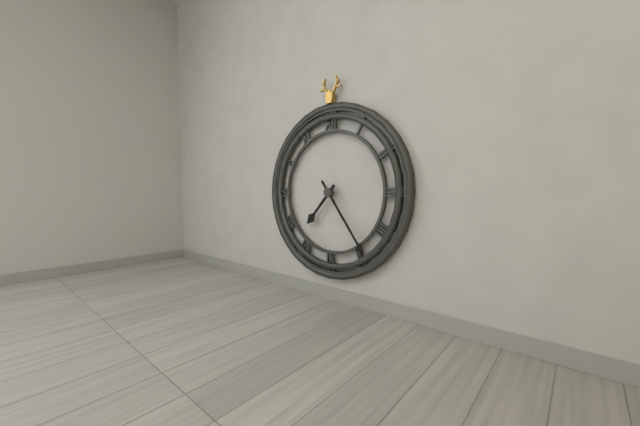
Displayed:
7.24
